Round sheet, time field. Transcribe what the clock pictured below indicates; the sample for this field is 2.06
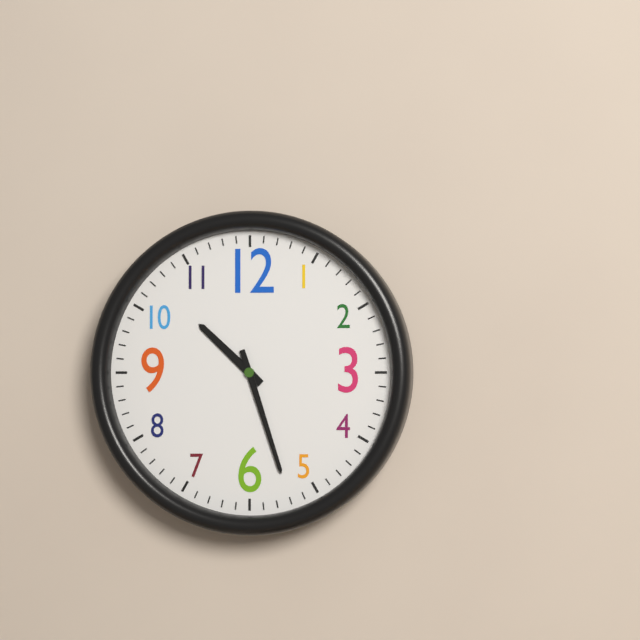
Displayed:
10.27
